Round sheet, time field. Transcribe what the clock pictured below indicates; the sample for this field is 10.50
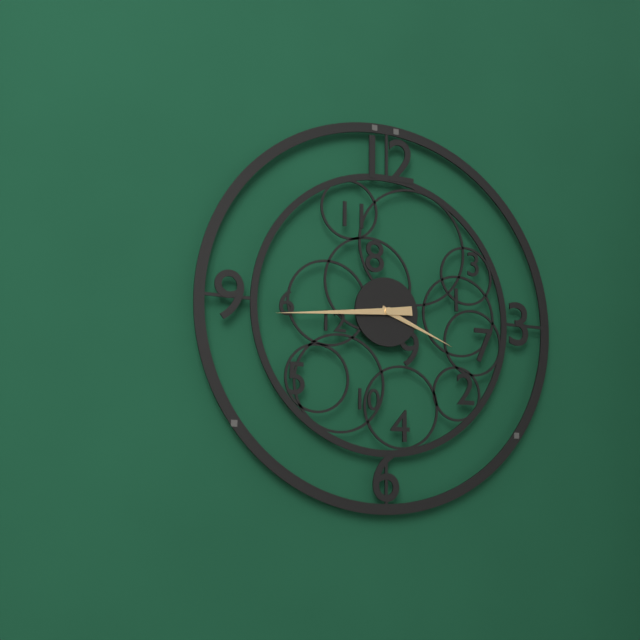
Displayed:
3.44
